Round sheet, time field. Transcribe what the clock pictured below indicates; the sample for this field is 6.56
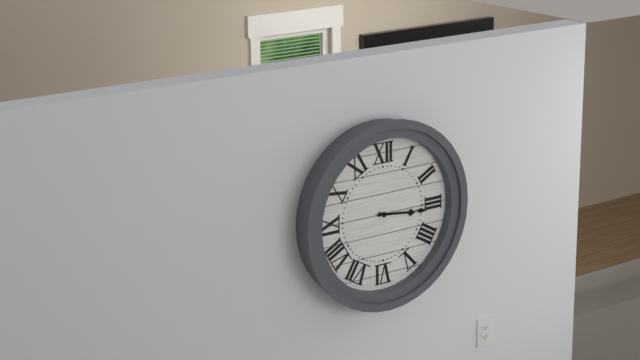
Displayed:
3.16
